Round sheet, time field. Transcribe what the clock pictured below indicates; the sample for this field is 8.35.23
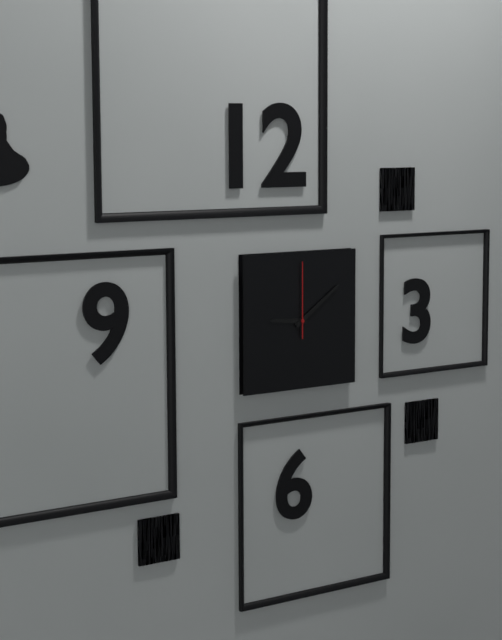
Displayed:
9.09.00
